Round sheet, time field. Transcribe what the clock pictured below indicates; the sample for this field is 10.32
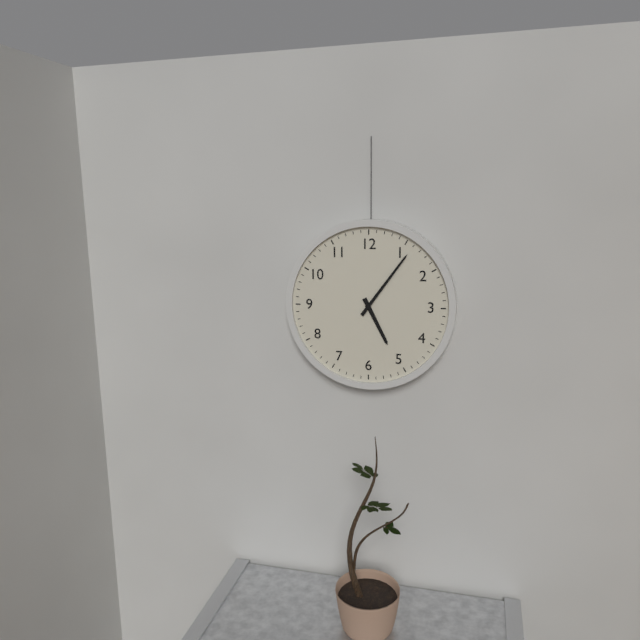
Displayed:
5.06
